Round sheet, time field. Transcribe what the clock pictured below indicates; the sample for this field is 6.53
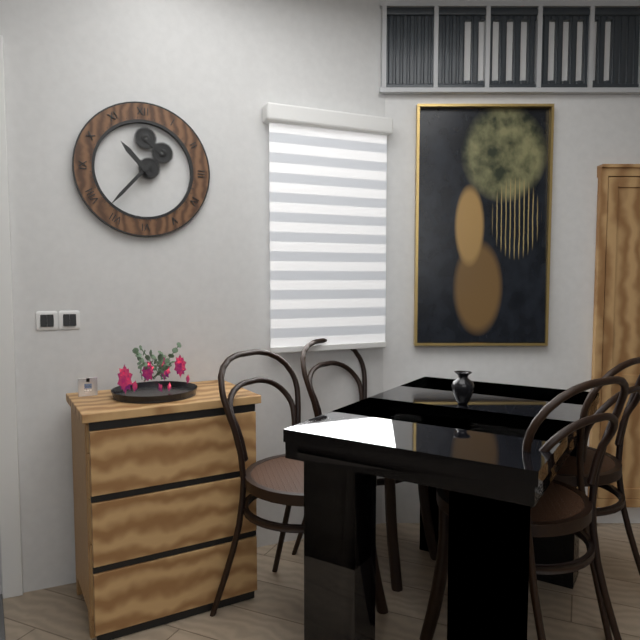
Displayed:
10.37
